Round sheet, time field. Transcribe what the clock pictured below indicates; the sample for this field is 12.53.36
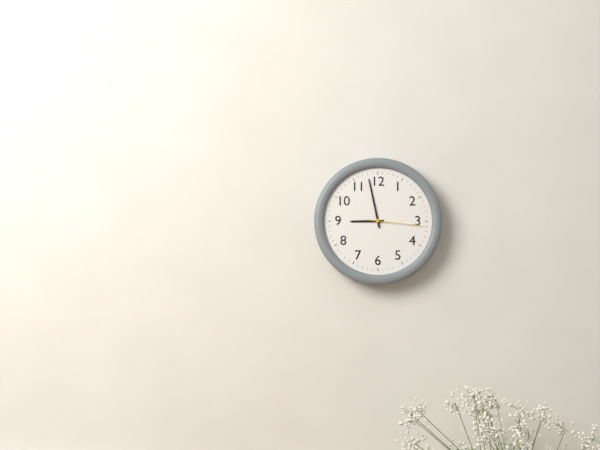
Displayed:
8.58.16
